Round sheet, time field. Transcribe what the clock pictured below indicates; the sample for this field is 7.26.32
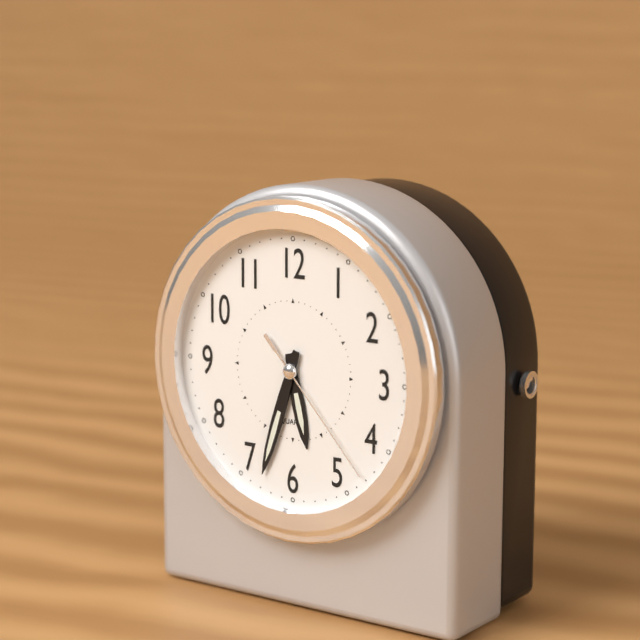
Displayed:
5.33.23
